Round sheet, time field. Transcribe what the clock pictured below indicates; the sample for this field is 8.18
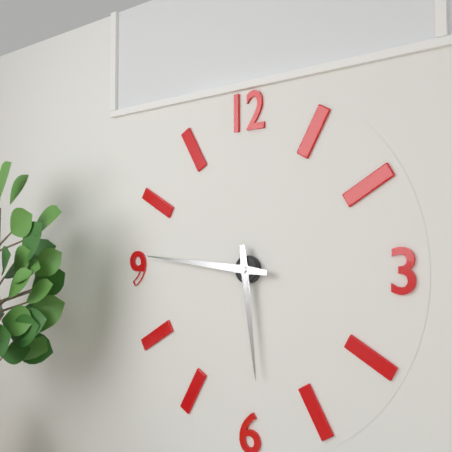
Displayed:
5.46
